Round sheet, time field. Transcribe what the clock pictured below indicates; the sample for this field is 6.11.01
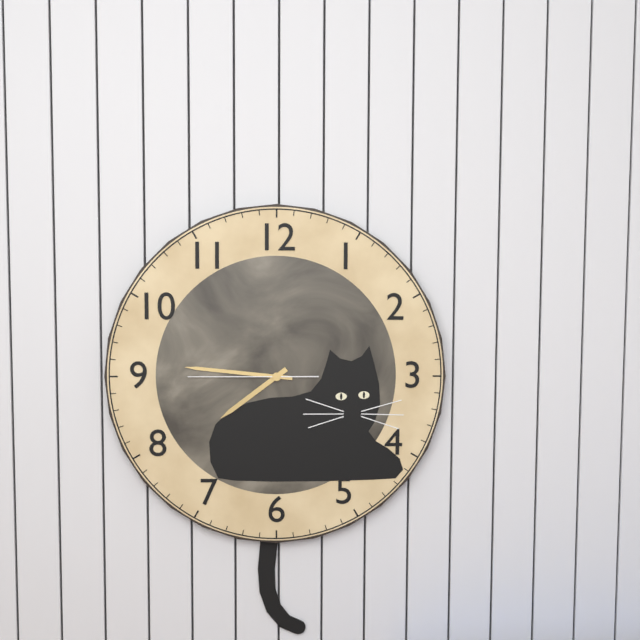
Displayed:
7.46.45
